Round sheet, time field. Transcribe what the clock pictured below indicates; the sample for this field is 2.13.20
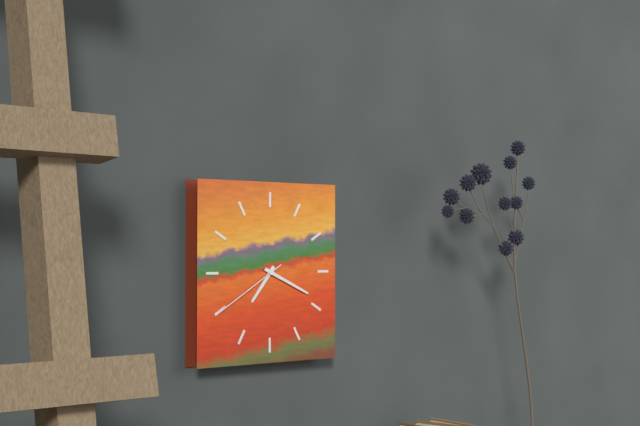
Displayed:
7.19.40
